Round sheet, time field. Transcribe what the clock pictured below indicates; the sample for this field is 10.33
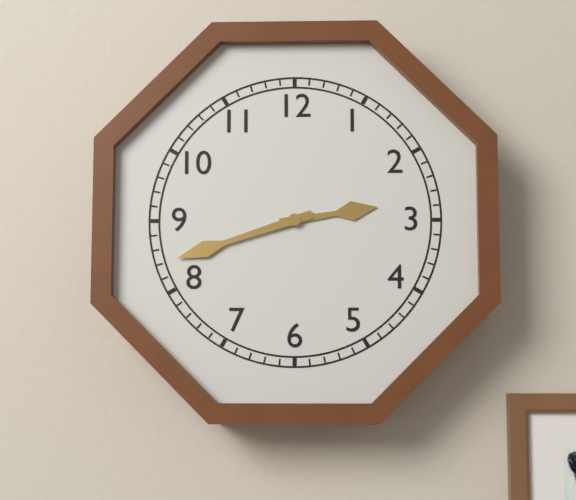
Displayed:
2.42
